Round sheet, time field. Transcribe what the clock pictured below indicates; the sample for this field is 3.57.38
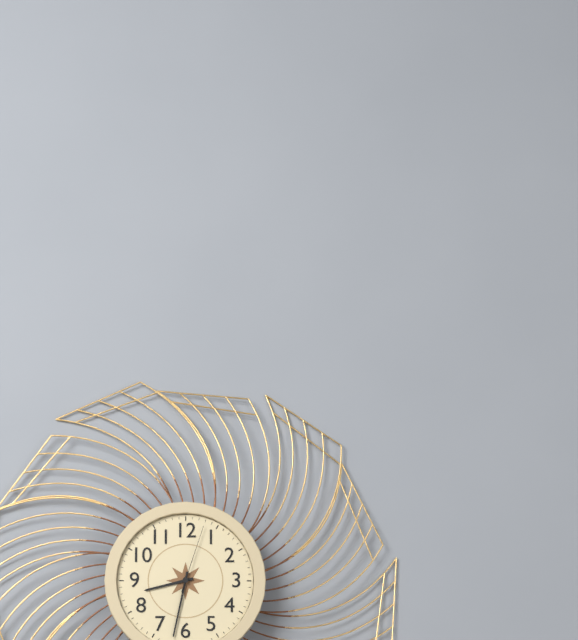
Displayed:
8.32.03
